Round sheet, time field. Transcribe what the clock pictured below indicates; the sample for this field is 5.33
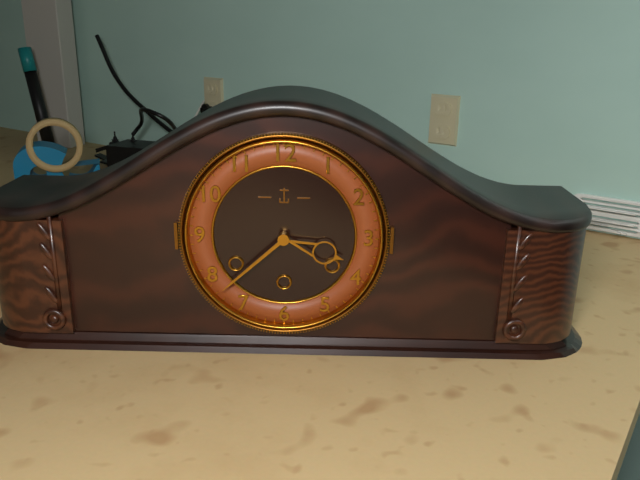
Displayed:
3.38
